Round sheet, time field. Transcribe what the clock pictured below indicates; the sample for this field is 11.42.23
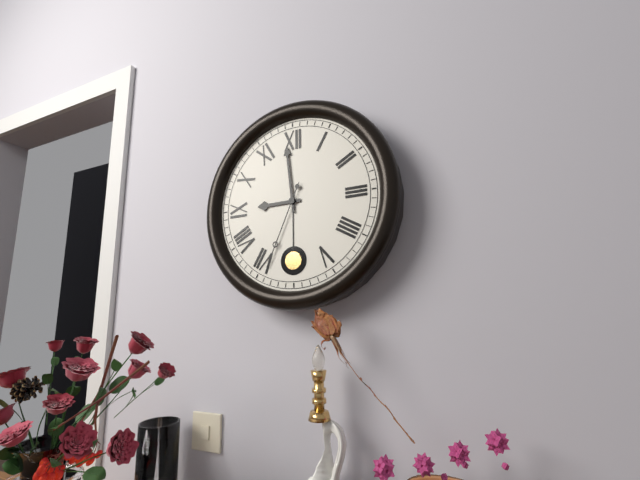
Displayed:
8.59.34
